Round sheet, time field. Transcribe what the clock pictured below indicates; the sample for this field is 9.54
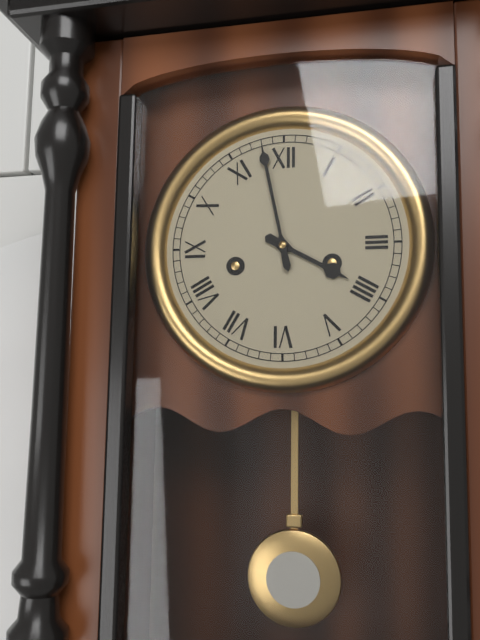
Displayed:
3.58
